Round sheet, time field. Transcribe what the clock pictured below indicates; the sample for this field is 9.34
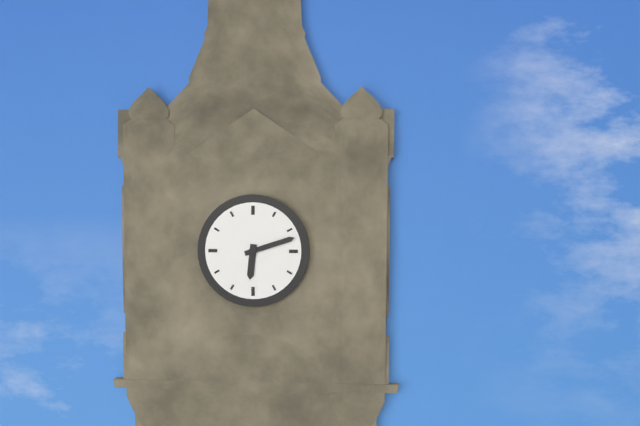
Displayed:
6.12
